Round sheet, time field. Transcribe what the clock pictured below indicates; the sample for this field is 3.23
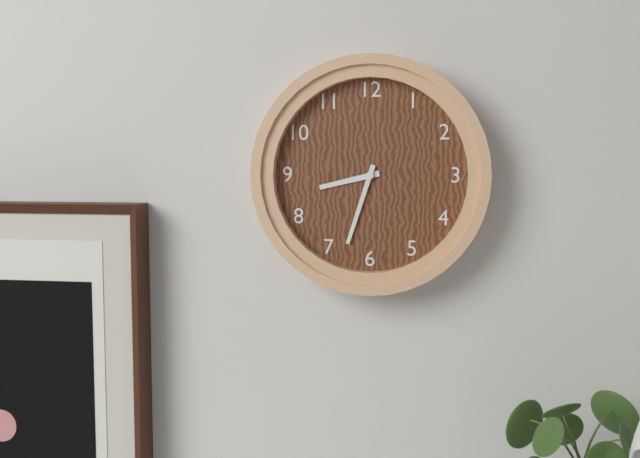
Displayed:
8.33
